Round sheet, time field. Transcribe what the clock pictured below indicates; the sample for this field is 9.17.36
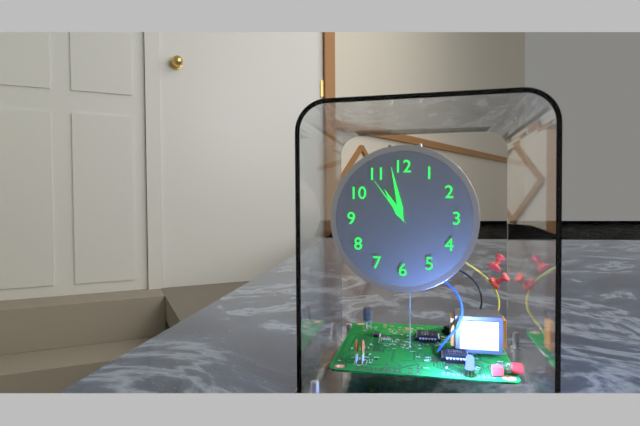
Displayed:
10.58.54
